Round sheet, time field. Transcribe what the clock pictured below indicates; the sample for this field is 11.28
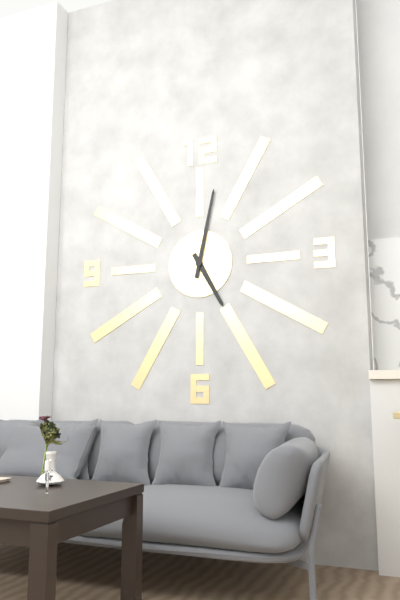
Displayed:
5.02
